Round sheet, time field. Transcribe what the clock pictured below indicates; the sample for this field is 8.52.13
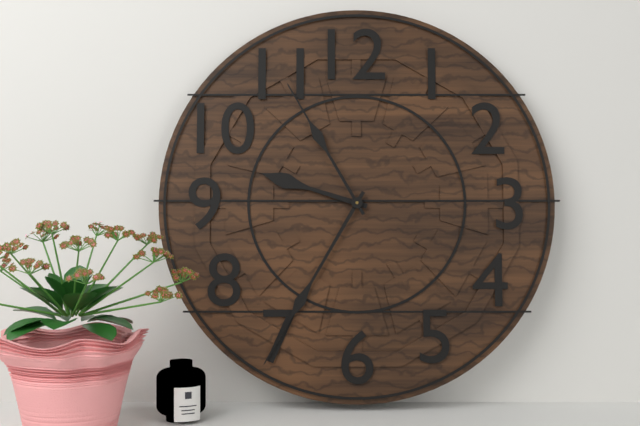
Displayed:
9.35.55
